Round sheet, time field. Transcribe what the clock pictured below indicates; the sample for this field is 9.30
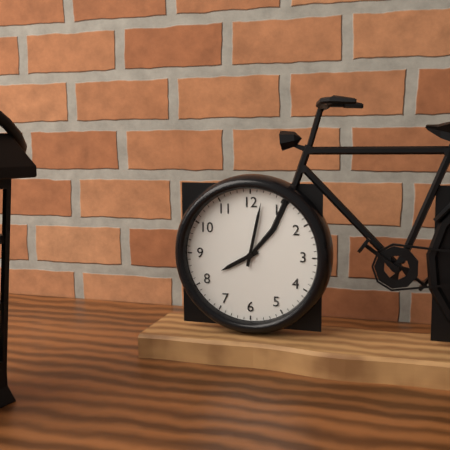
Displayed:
8.02
